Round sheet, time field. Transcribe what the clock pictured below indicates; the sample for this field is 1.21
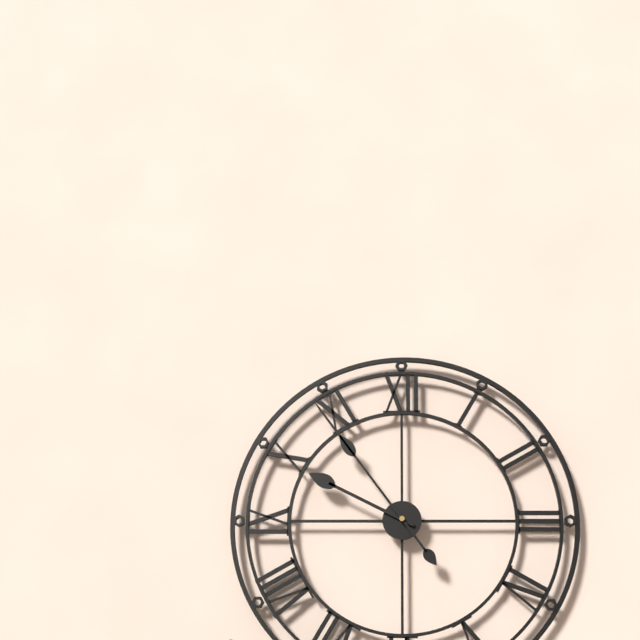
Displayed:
9.54
